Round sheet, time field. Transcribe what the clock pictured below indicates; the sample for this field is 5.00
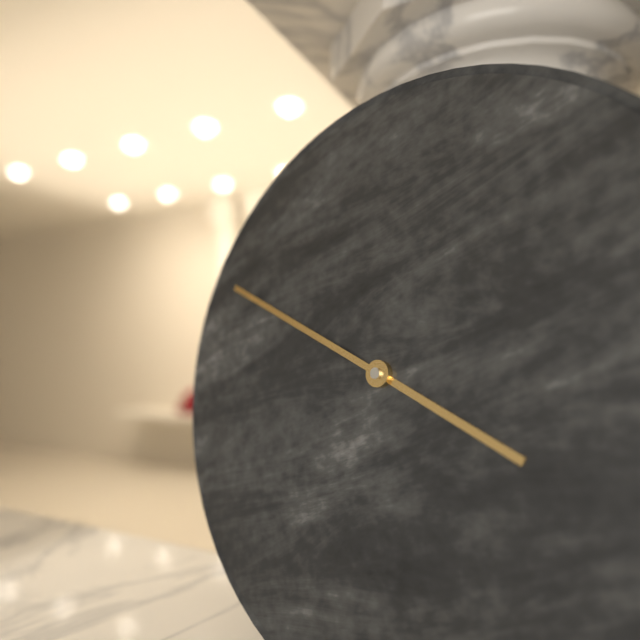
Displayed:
3.49
